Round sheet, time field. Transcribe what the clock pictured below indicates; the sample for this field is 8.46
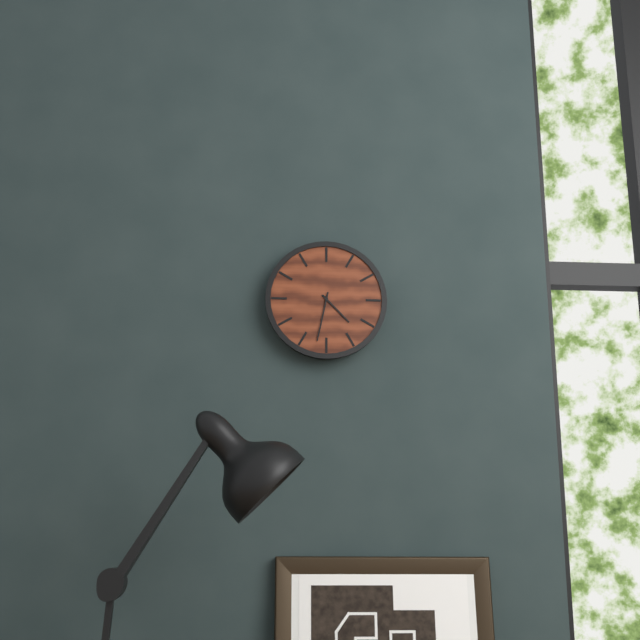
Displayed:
4.32
